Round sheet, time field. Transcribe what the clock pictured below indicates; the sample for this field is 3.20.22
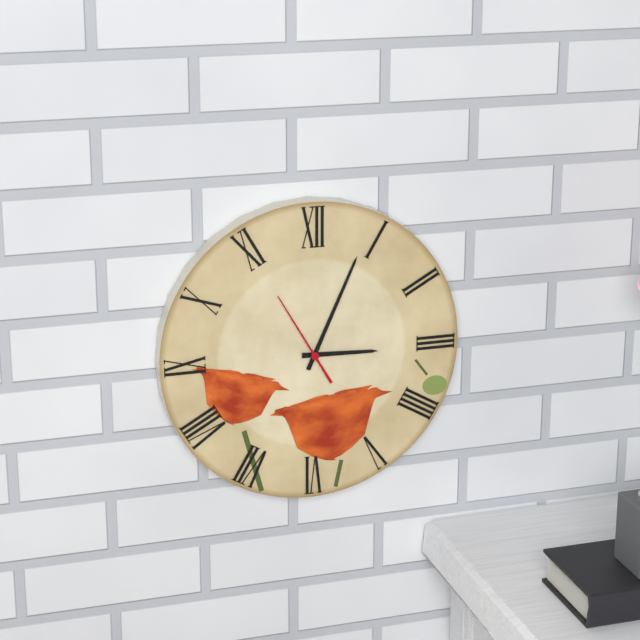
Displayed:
3.04.55
